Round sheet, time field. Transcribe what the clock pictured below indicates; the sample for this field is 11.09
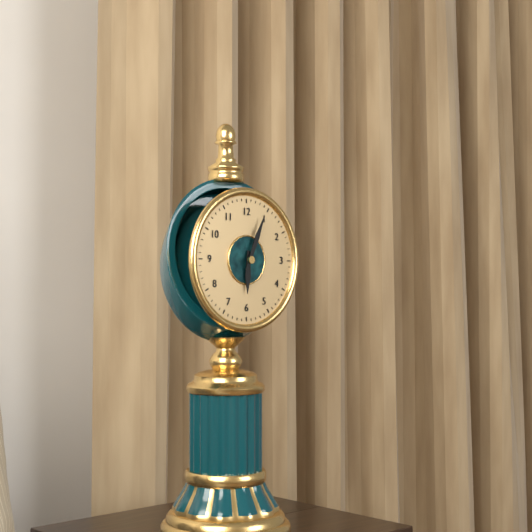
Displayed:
6.04
